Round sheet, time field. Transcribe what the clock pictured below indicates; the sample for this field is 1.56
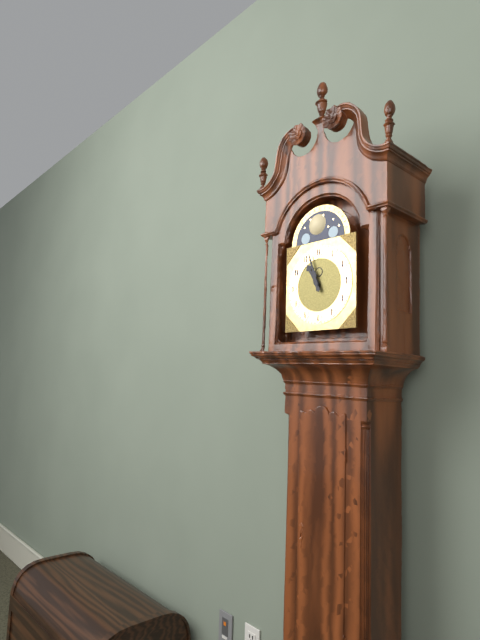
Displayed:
10.57
